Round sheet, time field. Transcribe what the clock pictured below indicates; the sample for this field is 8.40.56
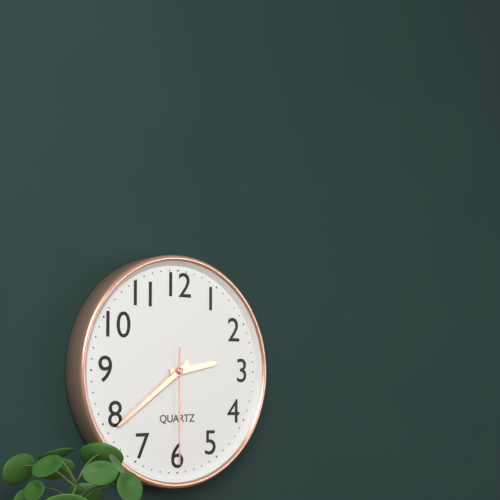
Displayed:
2.39.30
